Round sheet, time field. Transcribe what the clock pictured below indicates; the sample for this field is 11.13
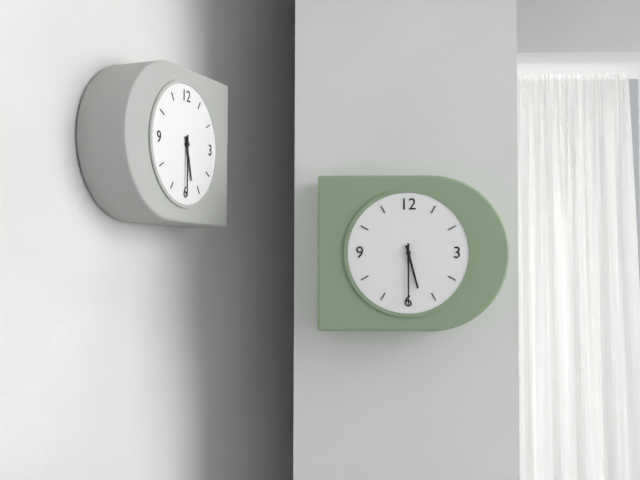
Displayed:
5.30
